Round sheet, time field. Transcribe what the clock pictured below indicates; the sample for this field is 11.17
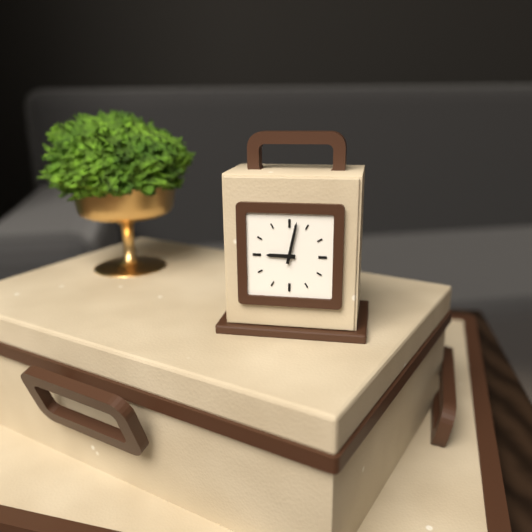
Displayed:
9.02
